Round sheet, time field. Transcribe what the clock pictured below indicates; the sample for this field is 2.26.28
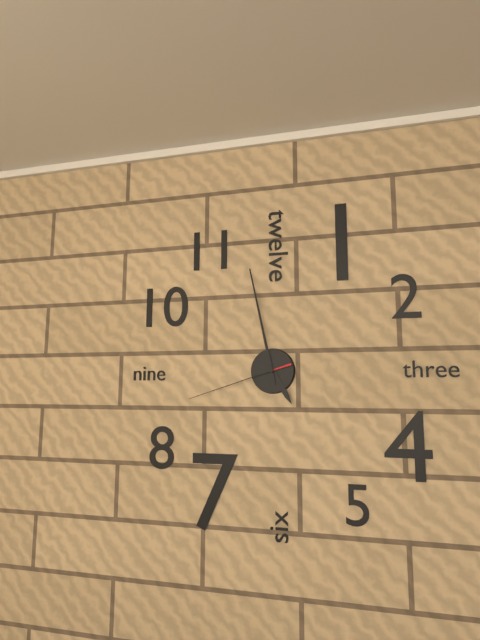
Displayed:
4.58.42
